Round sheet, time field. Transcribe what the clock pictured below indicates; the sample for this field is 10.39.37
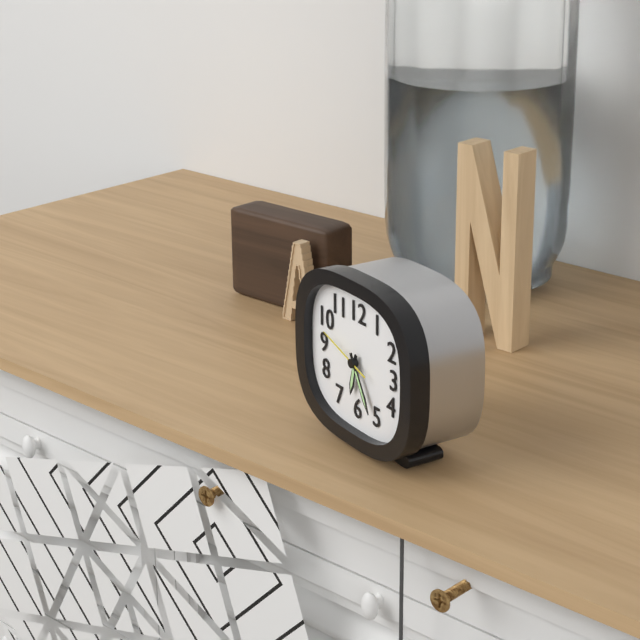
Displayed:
6.25.48
